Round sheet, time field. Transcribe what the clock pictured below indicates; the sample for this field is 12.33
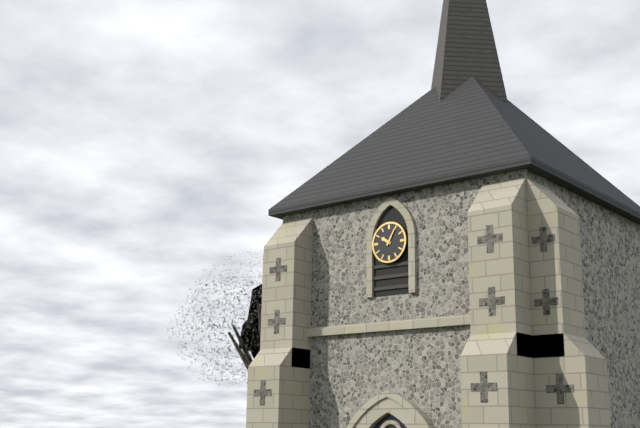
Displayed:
10.05
